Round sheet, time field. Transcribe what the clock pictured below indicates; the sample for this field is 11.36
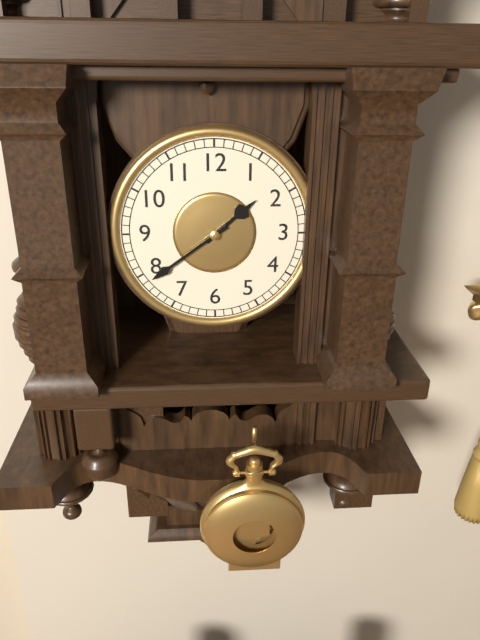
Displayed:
1.39
